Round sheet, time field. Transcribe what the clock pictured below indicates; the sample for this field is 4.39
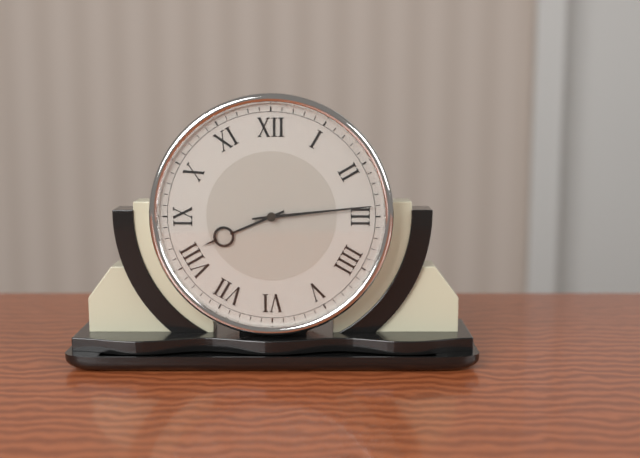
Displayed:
8.14
